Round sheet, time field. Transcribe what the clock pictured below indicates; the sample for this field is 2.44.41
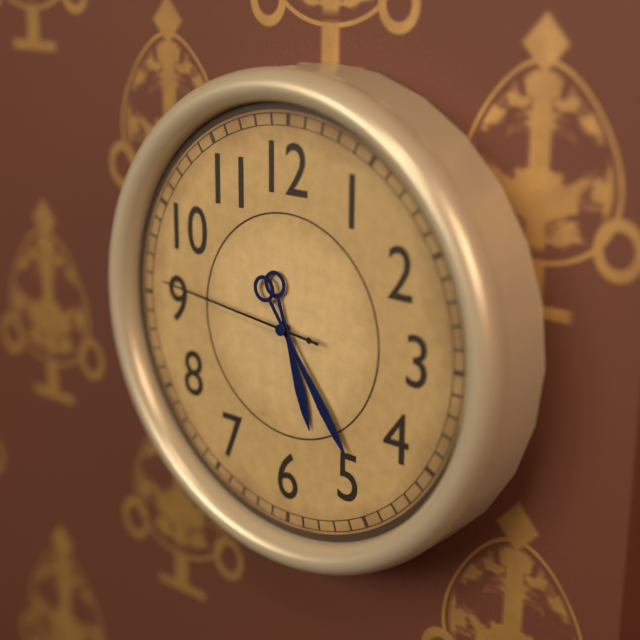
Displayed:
5.24.46
